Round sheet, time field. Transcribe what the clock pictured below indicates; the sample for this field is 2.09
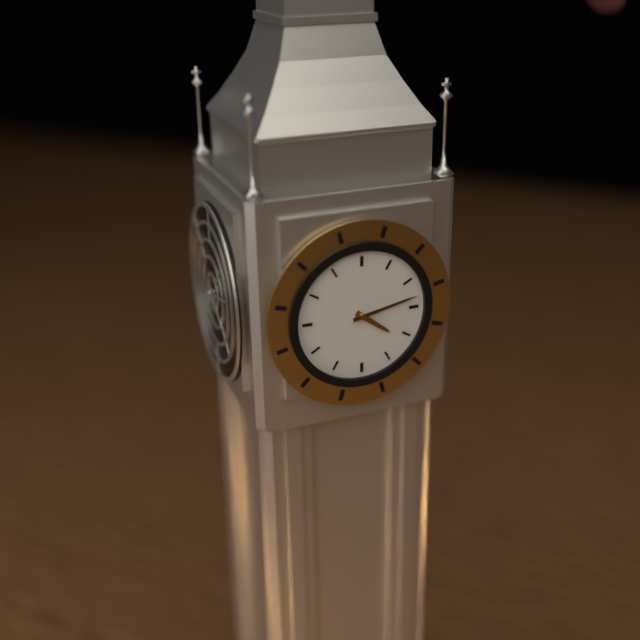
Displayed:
4.13
